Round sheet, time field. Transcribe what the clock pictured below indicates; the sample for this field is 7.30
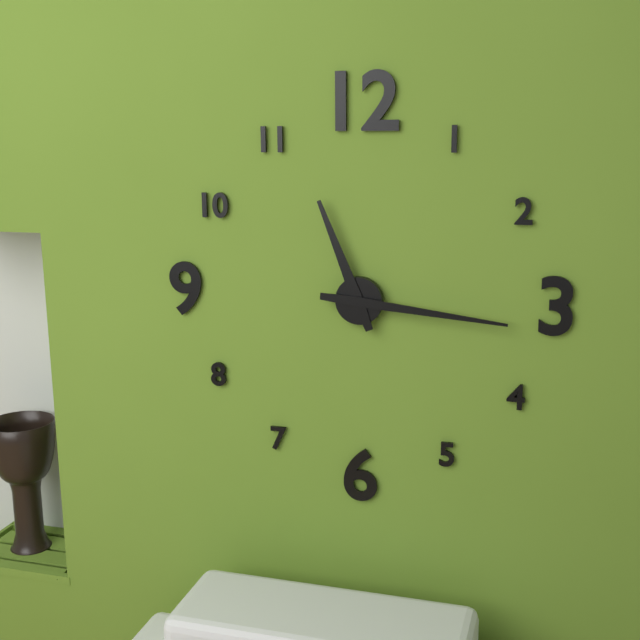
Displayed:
11.16
